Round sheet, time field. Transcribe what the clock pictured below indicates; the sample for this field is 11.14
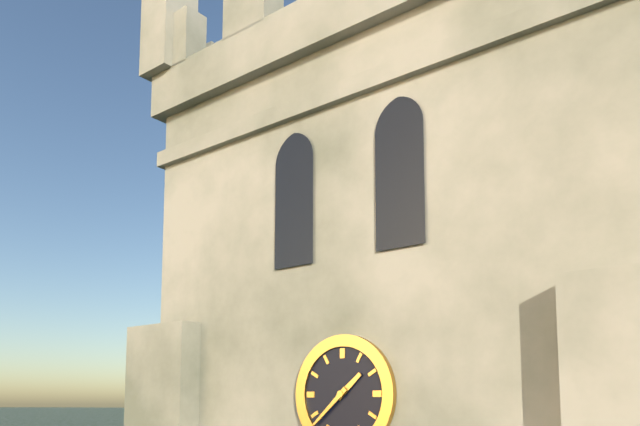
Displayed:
1.38
